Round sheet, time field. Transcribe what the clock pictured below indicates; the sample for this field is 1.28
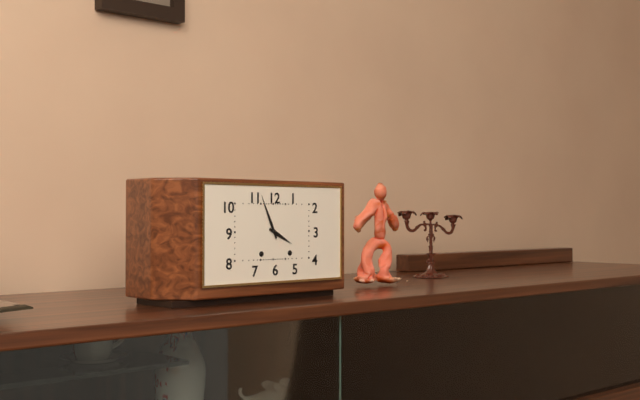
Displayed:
3.56
